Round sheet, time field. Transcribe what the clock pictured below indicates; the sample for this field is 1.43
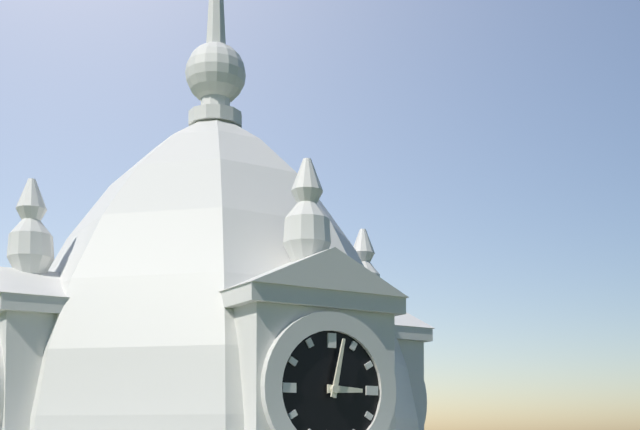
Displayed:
3.02
